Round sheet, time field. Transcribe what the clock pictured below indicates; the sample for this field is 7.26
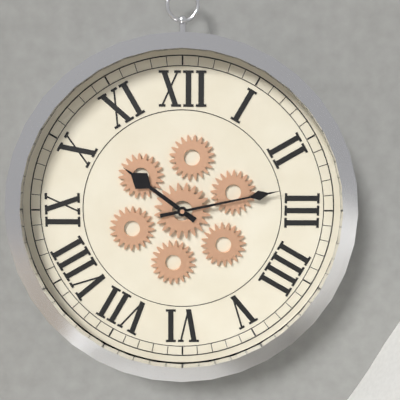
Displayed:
10.13
